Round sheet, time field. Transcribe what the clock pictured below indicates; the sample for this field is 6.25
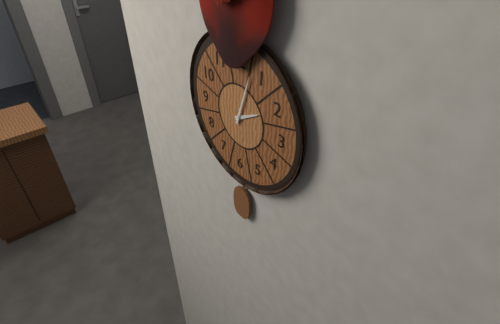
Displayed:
2.03
